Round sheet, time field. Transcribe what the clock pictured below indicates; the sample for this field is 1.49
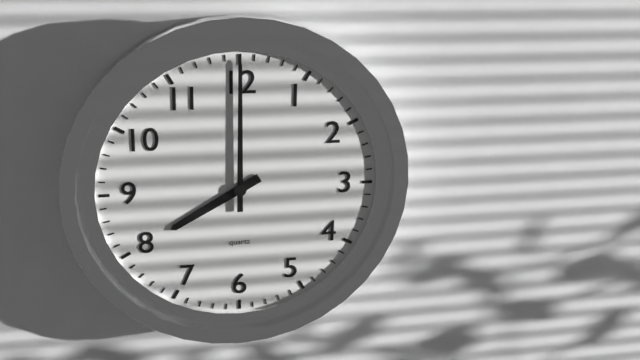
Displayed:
8.00
